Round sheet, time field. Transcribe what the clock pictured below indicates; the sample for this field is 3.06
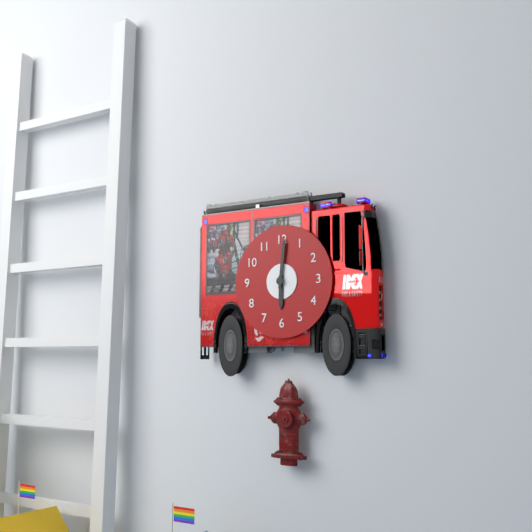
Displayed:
6.01
